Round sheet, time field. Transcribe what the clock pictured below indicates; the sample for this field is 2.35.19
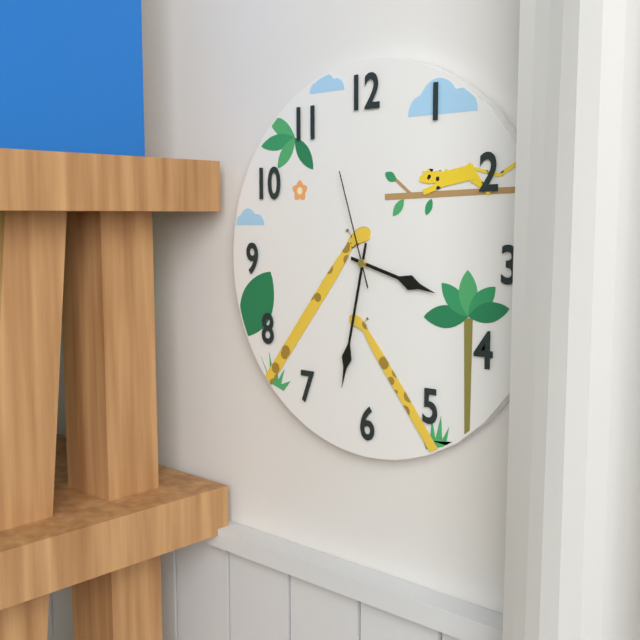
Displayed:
3.32.57
